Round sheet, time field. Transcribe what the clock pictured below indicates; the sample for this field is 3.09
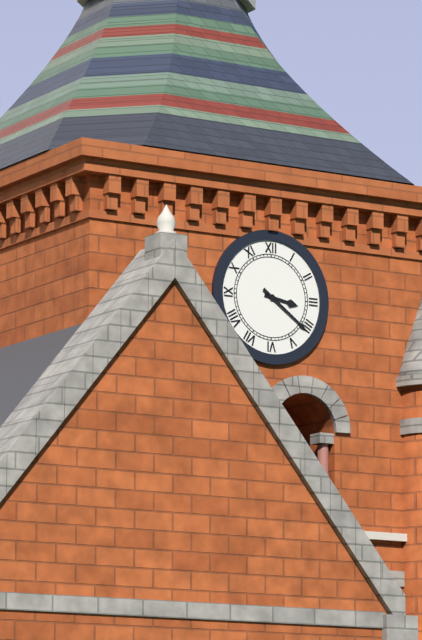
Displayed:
3.21
